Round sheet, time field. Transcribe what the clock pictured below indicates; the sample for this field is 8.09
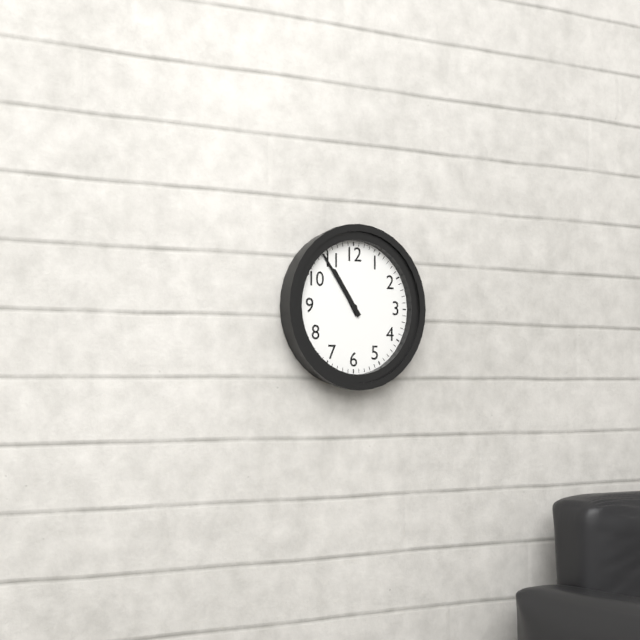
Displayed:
10.54
